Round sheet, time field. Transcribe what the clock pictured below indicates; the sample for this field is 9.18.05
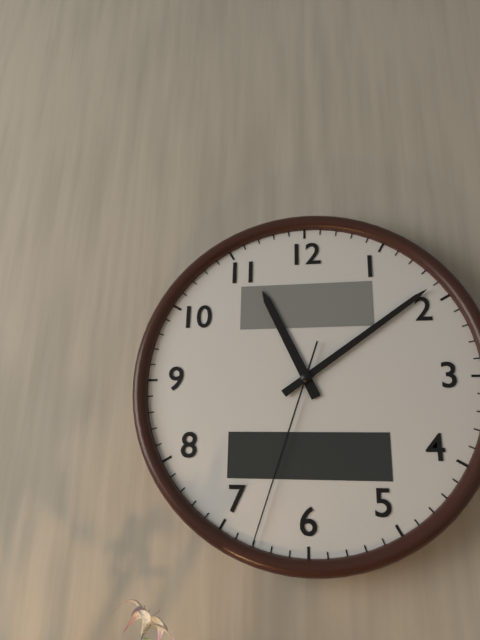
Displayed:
11.09.33
